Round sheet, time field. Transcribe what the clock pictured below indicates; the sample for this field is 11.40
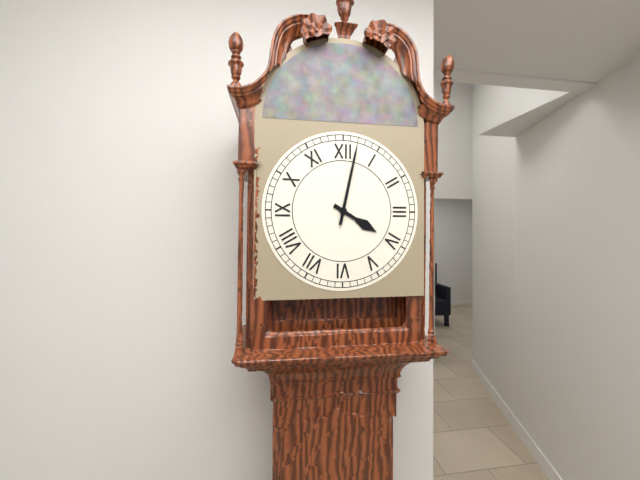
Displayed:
4.02
